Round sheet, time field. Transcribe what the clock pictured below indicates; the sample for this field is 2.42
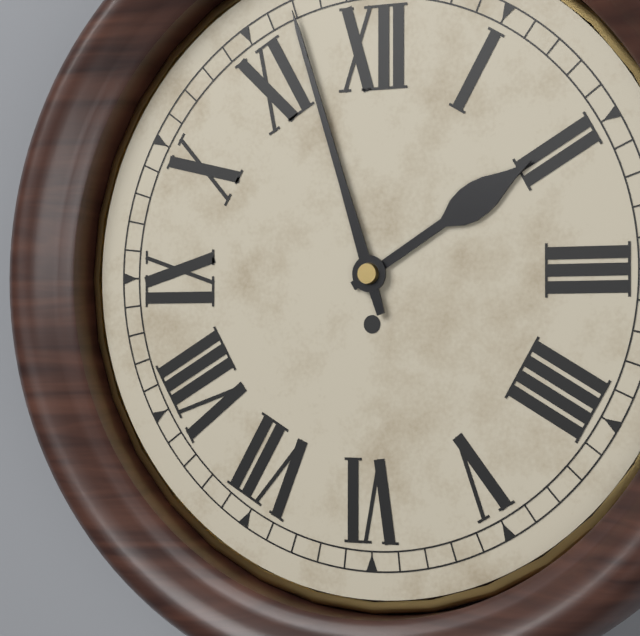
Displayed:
1.57
